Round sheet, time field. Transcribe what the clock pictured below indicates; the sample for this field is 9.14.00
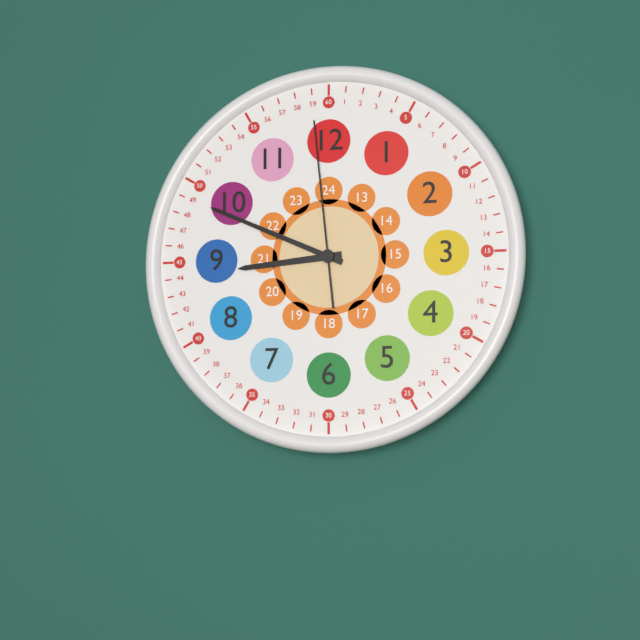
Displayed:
8.49.59
